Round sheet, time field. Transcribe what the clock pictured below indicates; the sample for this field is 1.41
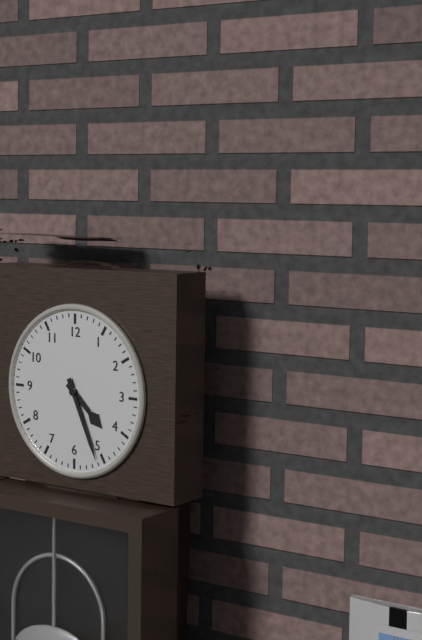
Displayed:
4.26
